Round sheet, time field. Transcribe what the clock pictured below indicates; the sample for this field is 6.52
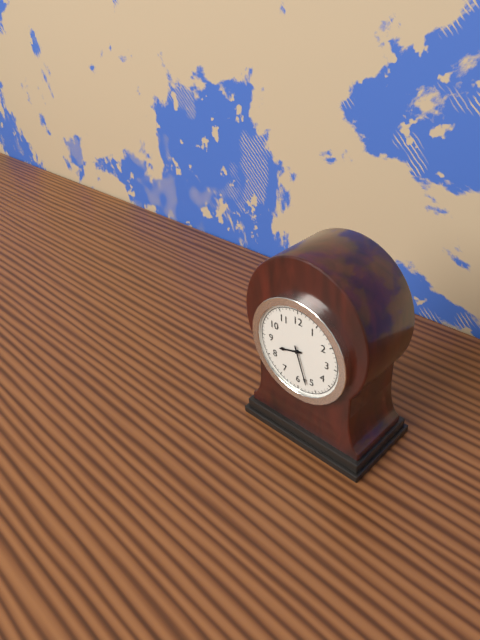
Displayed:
8.27
